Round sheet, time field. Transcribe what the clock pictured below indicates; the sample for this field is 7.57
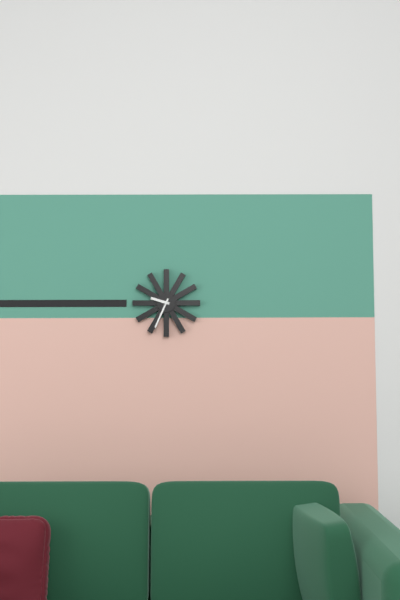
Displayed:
9.34
